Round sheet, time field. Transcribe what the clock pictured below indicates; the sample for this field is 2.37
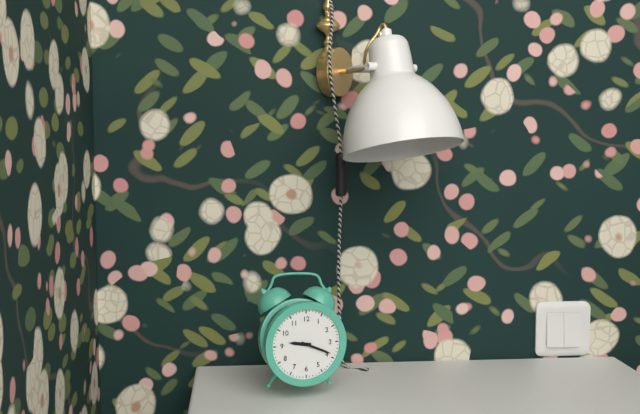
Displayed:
9.19
